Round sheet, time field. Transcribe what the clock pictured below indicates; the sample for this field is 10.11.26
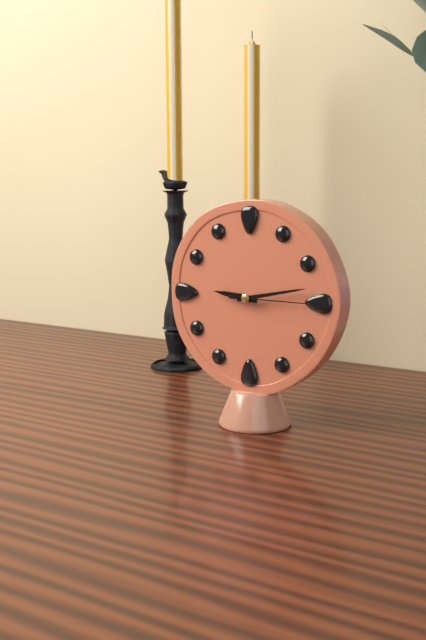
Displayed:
9.13.15
